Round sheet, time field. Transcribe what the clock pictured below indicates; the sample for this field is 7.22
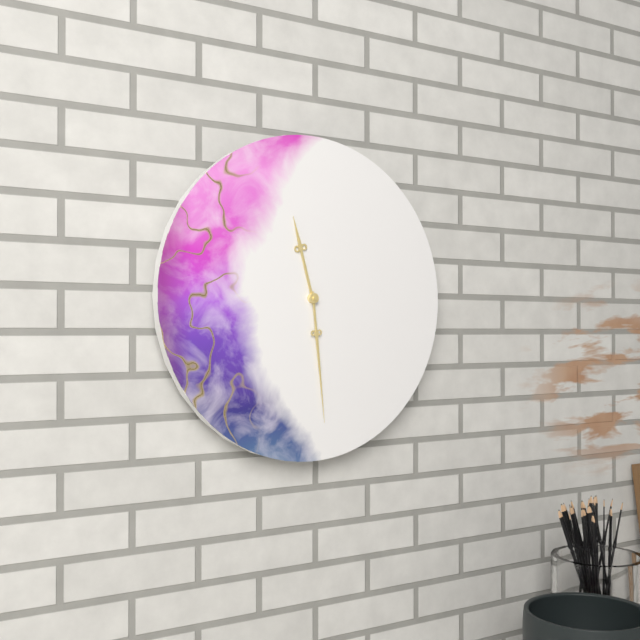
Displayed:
11.29
